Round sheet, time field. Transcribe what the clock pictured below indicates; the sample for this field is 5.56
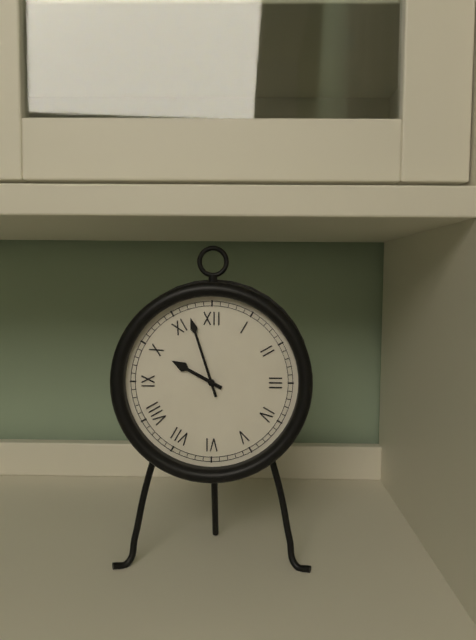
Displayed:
9.57
